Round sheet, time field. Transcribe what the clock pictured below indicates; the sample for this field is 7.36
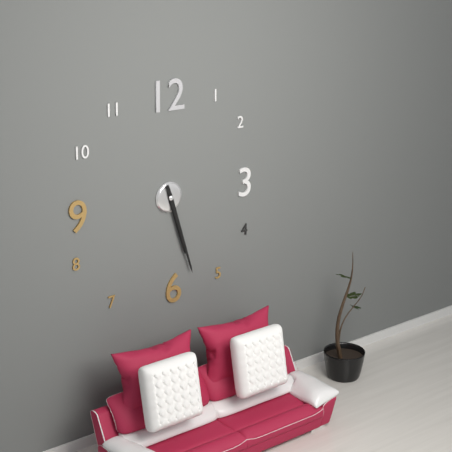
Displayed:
5.27
